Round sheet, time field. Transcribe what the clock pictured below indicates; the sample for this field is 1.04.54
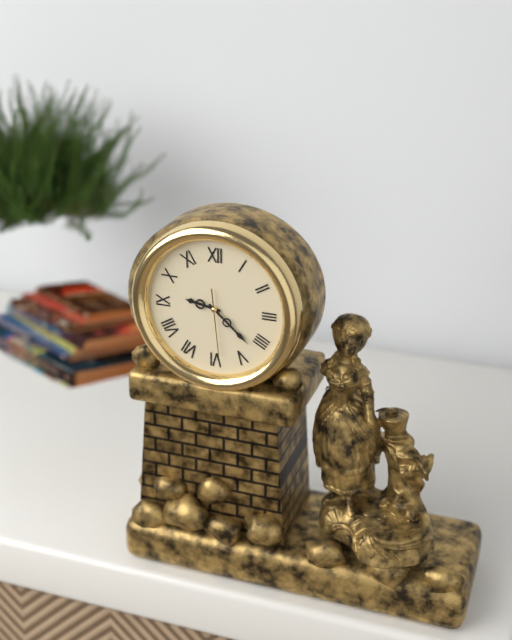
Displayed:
9.22.29
